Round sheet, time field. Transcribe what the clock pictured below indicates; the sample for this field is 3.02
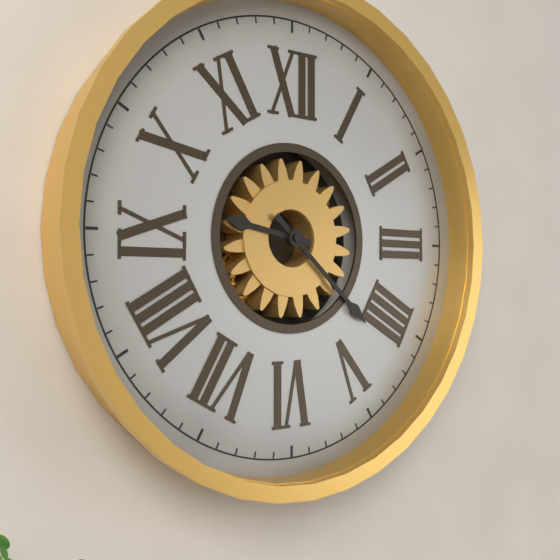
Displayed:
9.22
